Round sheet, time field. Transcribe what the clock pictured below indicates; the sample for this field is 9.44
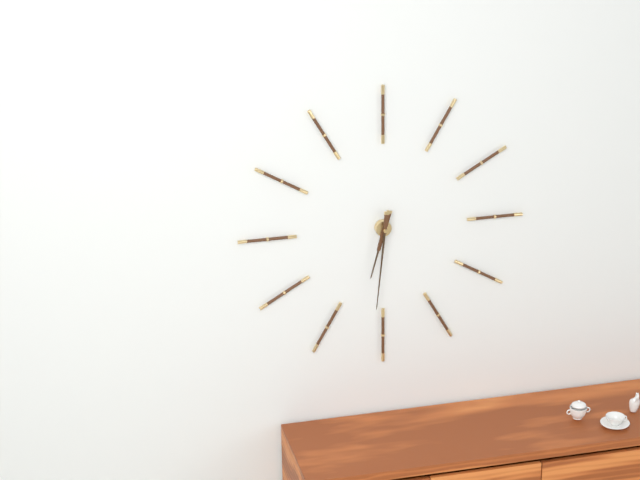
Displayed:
6.31
